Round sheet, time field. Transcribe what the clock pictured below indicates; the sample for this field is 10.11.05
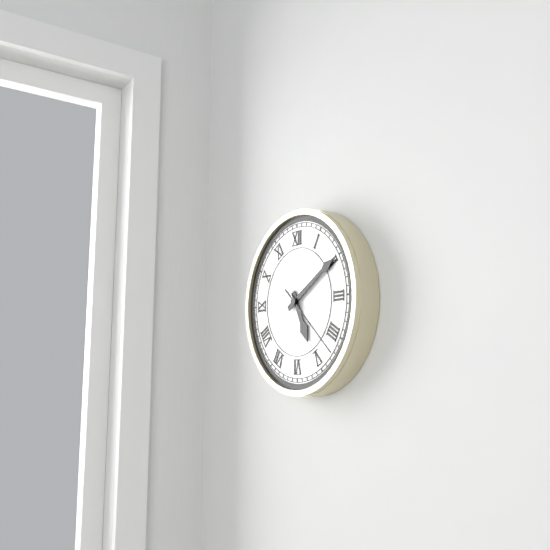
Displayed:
5.10.22
